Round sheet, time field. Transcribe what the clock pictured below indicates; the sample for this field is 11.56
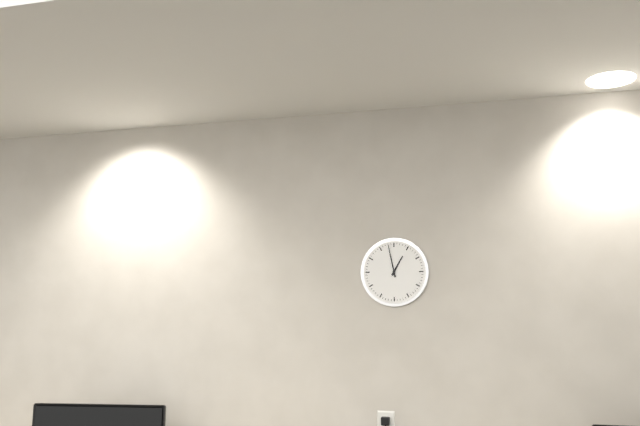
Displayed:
12.58
